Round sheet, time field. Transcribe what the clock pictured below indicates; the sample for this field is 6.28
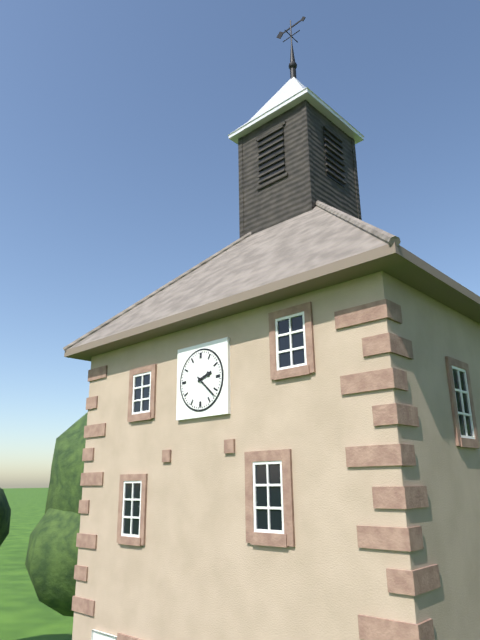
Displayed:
2.22
